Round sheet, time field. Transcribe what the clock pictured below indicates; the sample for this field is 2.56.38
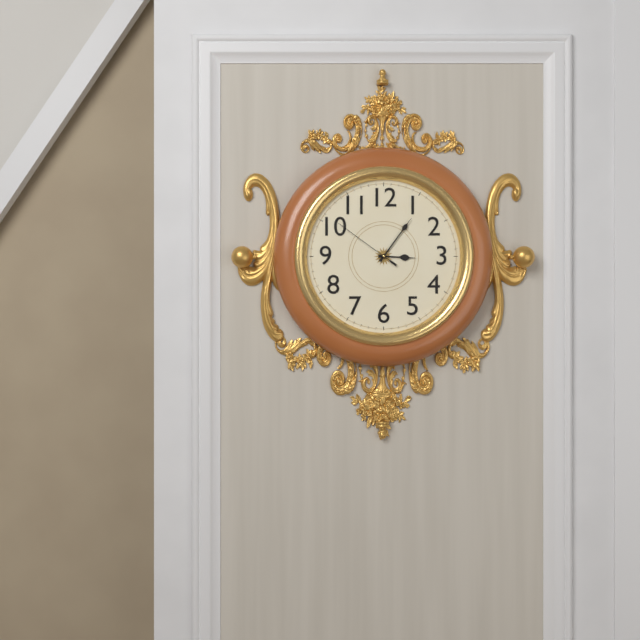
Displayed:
3.06.51
